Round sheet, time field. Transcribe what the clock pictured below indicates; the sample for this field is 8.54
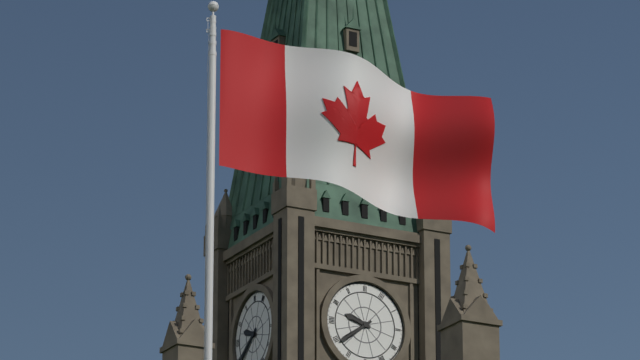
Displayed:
9.39
